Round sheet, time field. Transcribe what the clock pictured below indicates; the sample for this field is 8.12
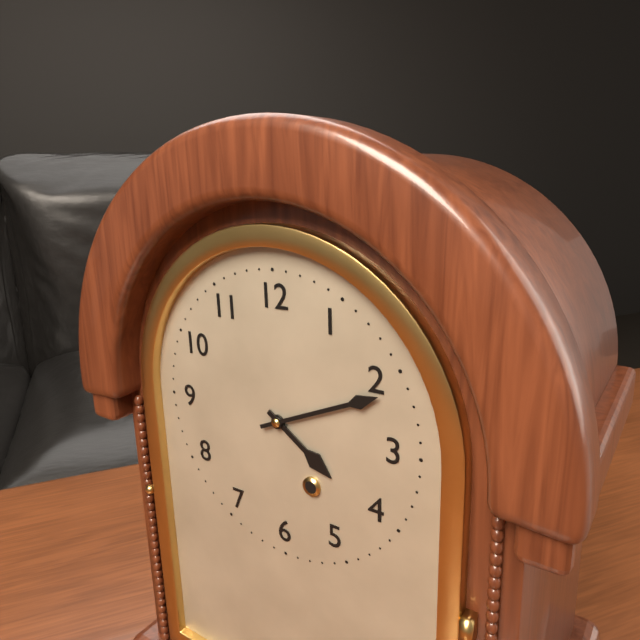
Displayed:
4.11
